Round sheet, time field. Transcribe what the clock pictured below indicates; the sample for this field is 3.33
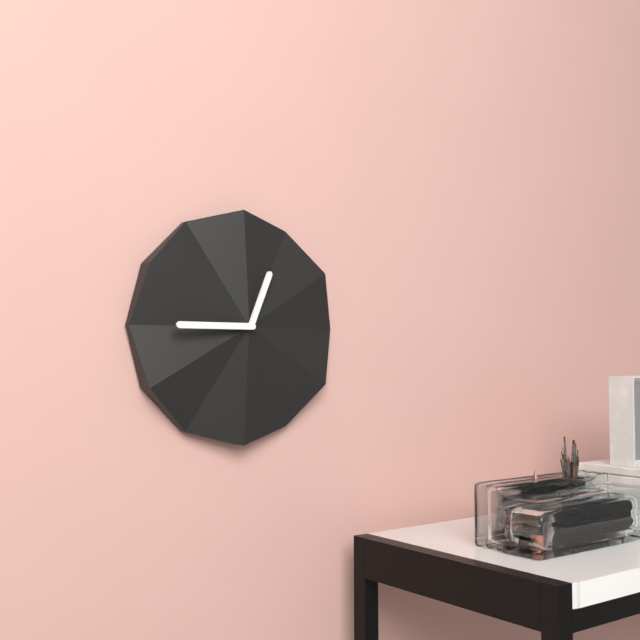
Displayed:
12.45
